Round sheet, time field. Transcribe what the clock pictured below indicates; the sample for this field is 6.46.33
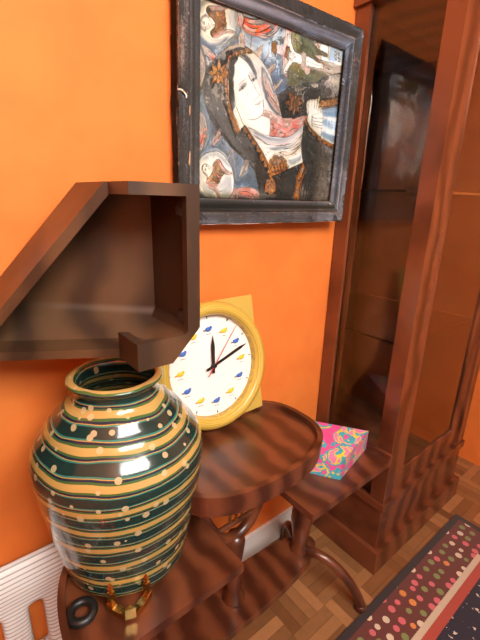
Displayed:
12.12.07
